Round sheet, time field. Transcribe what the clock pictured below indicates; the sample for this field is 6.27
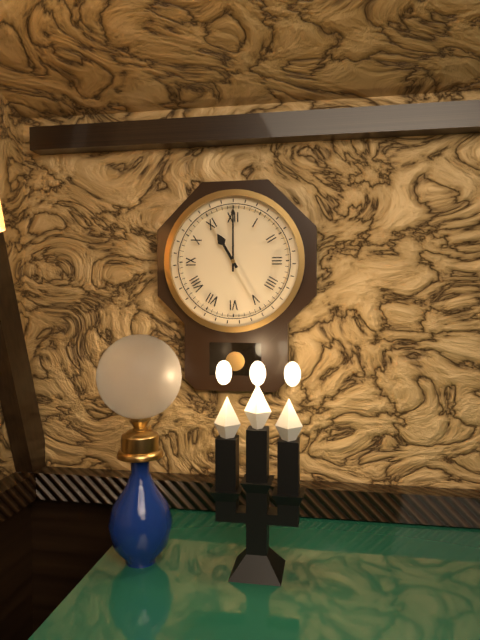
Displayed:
11.00
